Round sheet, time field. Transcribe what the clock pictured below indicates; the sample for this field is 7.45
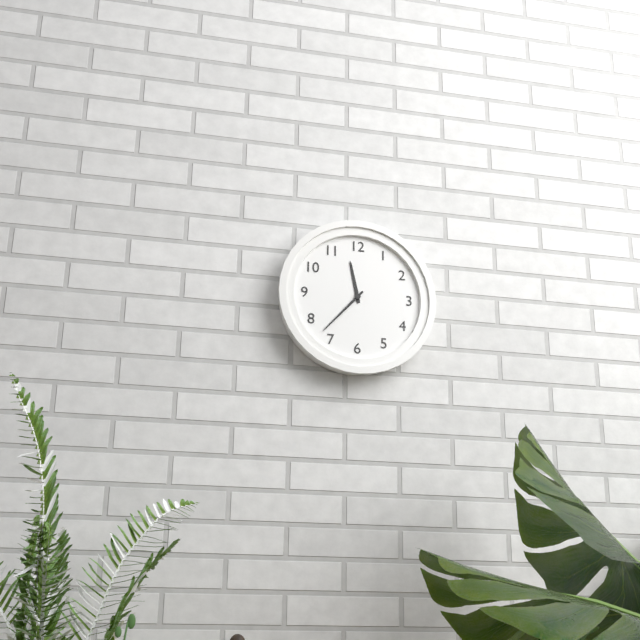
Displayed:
11.37
